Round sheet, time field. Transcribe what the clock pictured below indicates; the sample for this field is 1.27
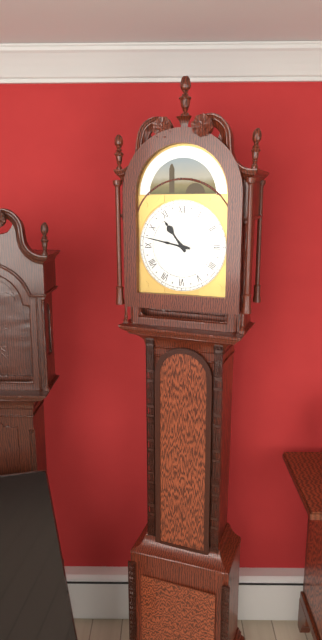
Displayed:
10.47
